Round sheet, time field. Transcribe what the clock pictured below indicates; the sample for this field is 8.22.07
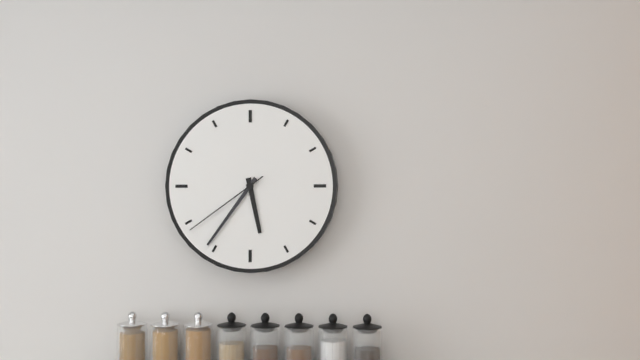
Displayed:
5.36.39
